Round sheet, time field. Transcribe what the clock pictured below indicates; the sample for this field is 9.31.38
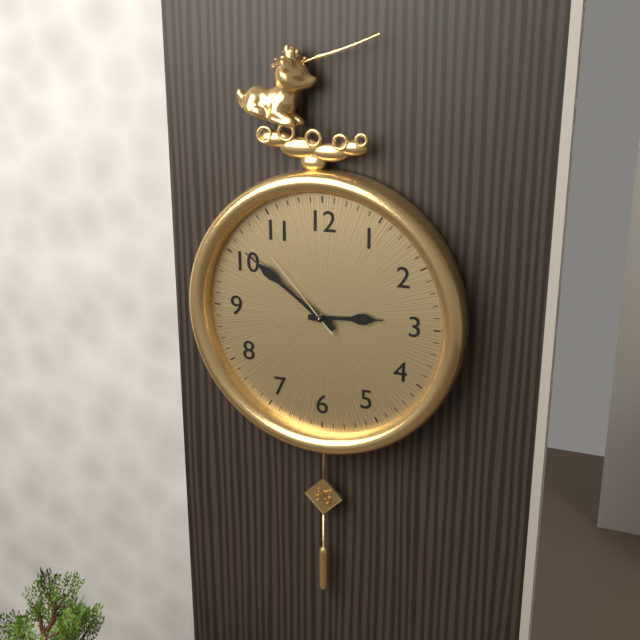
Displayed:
2.51.53
